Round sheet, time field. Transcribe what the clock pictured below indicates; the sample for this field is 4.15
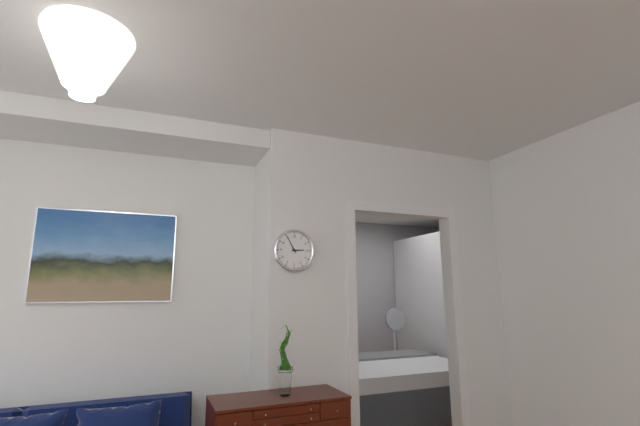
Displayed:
2.55
